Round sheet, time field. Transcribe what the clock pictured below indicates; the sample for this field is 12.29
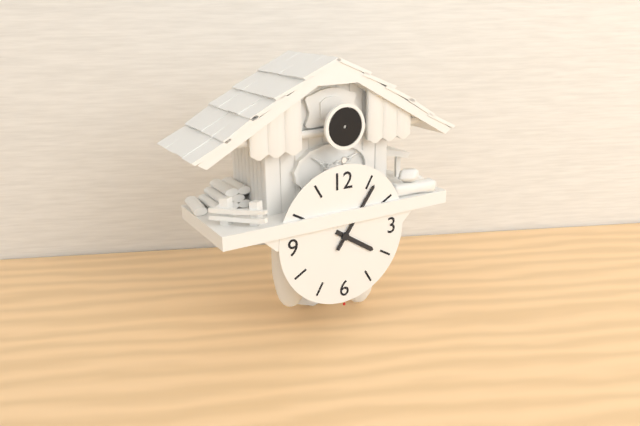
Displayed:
4.06
